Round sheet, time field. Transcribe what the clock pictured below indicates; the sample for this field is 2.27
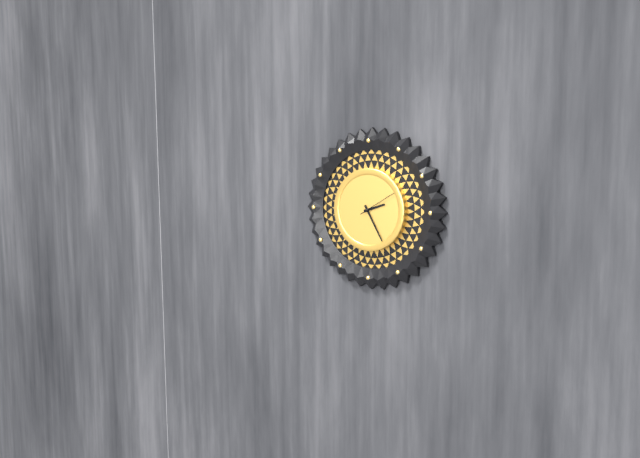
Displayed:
2.25
